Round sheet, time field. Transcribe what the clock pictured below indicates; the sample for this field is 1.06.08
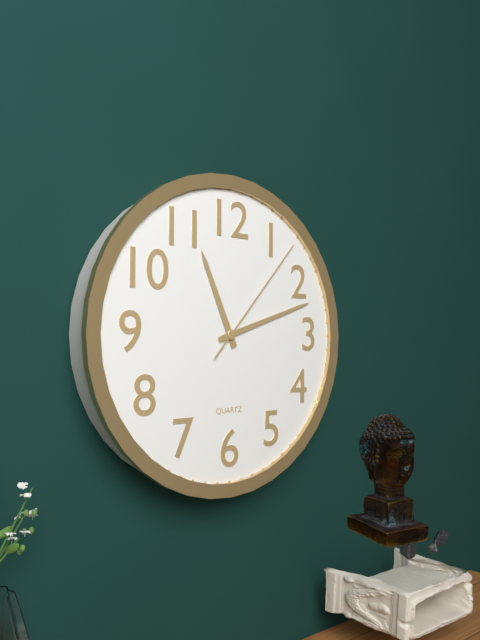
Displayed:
11.12.07
